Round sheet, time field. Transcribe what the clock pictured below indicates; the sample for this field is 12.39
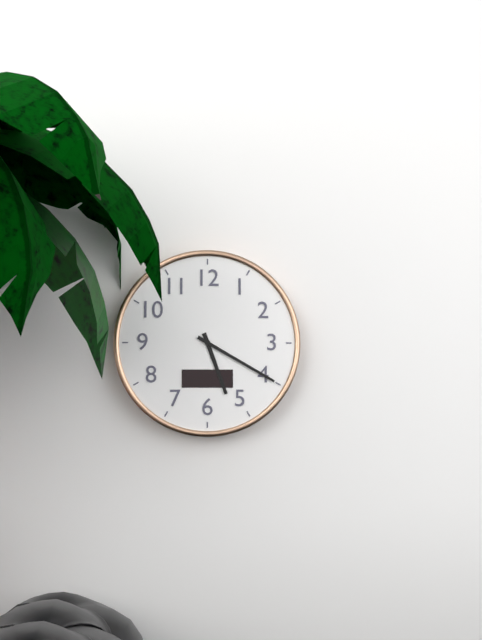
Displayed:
5.20
